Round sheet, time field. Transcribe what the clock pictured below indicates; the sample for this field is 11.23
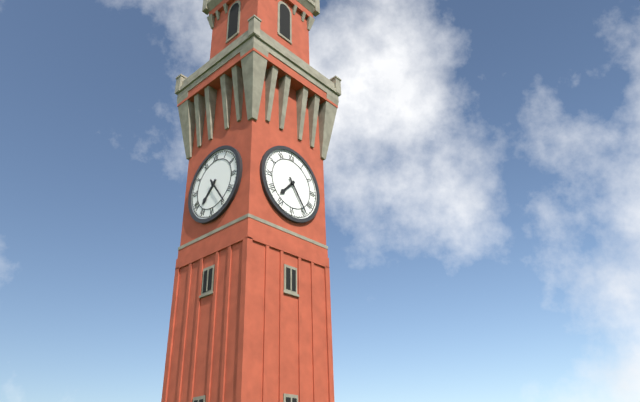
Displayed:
7.24
